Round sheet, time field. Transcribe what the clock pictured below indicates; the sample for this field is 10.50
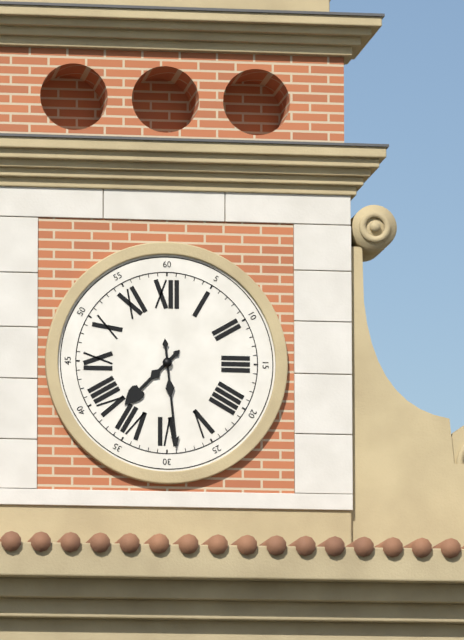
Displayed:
7.29
